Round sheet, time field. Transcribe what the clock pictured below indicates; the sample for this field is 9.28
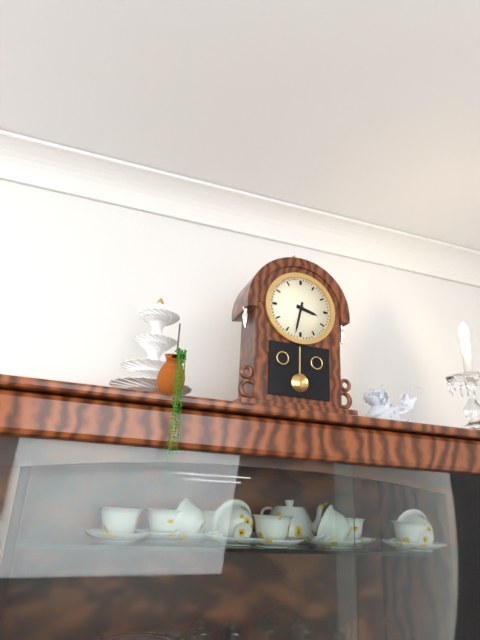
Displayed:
3.32
